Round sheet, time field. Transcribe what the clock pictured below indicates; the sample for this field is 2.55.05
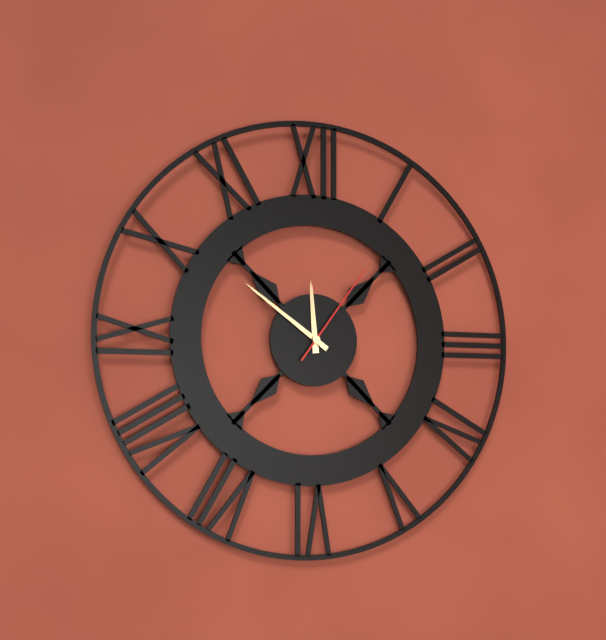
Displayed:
11.51.06
